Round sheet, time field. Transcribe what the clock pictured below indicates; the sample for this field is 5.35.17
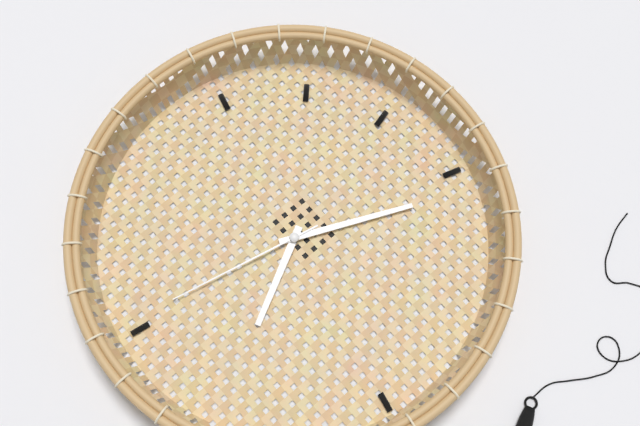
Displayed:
5.04.32
